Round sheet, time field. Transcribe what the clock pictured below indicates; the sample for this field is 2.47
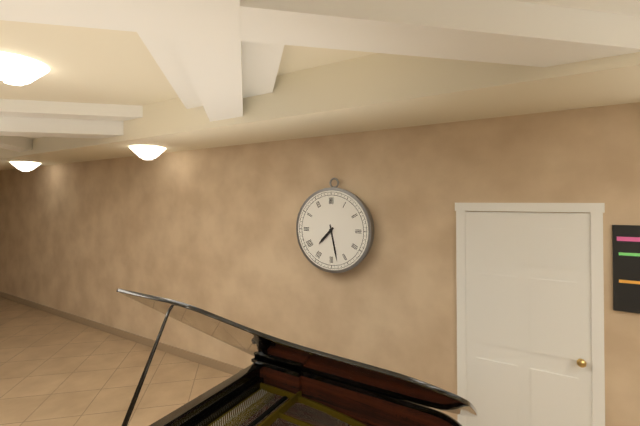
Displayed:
7.28
